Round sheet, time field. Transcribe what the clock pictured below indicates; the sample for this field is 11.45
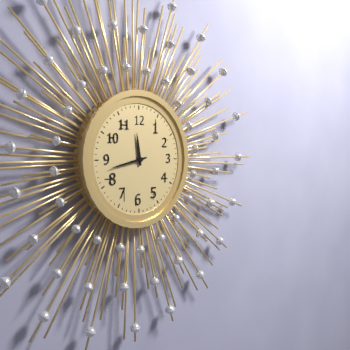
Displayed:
11.43
